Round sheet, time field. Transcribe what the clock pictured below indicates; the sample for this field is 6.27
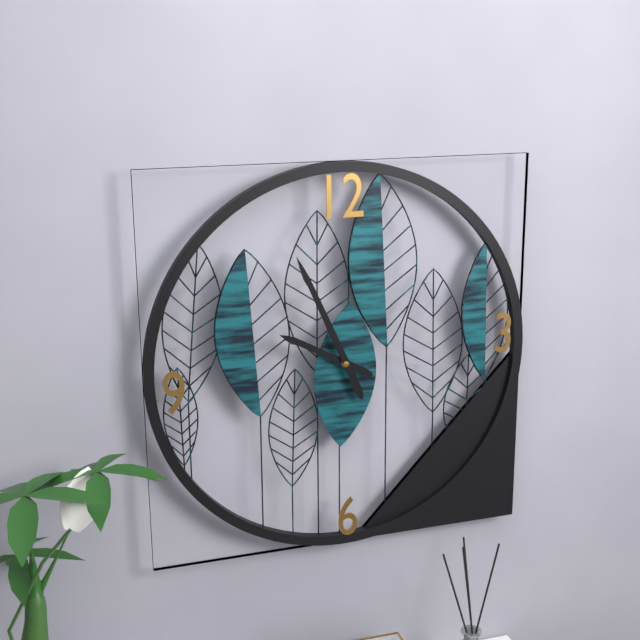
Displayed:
9.56
